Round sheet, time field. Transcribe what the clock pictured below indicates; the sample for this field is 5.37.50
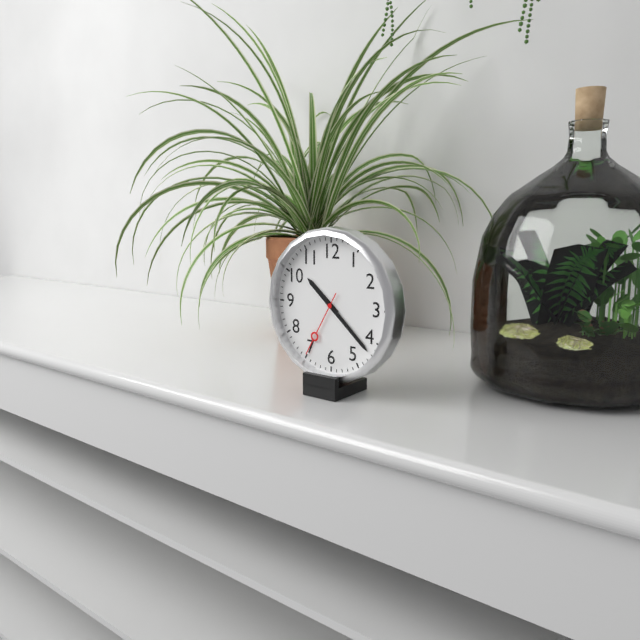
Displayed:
10.22.35
